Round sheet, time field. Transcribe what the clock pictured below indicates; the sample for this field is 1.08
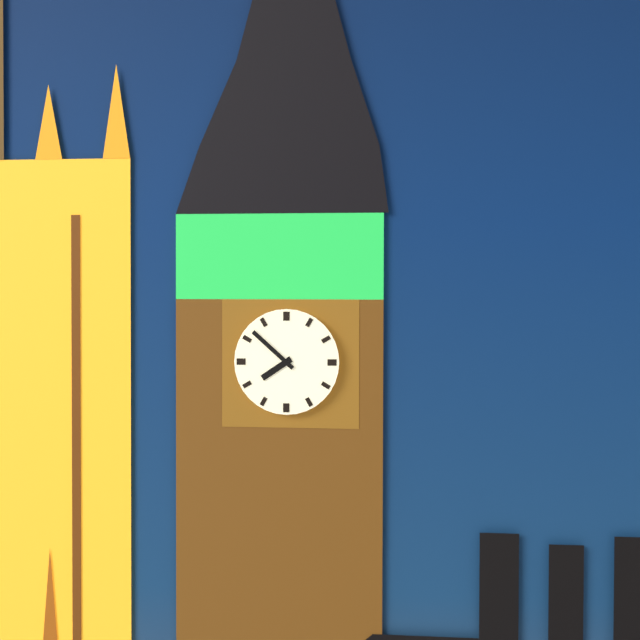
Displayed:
7.52
